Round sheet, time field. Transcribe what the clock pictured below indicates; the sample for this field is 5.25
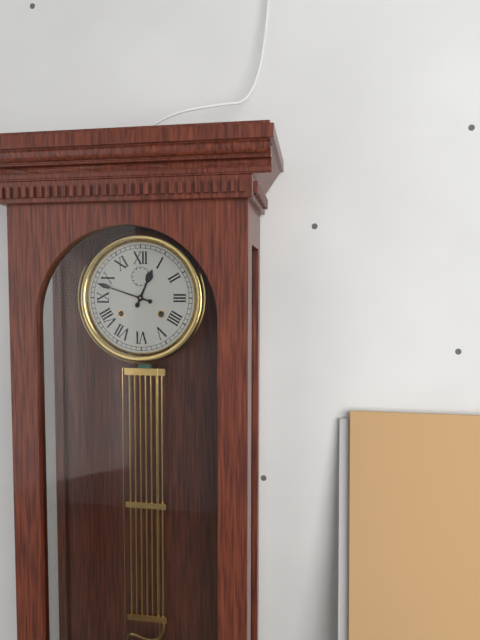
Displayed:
12.48
